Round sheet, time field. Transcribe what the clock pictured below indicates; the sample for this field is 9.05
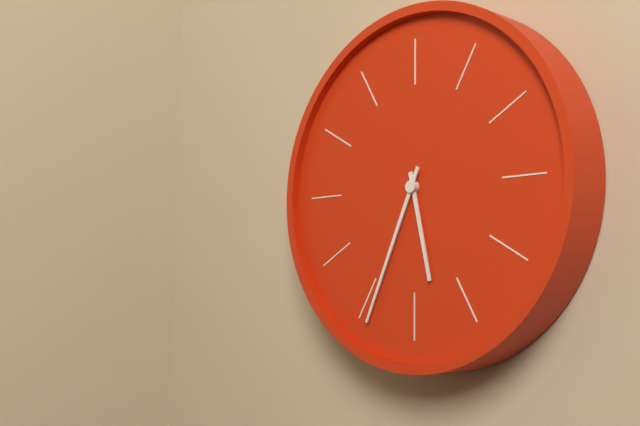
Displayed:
5.34
